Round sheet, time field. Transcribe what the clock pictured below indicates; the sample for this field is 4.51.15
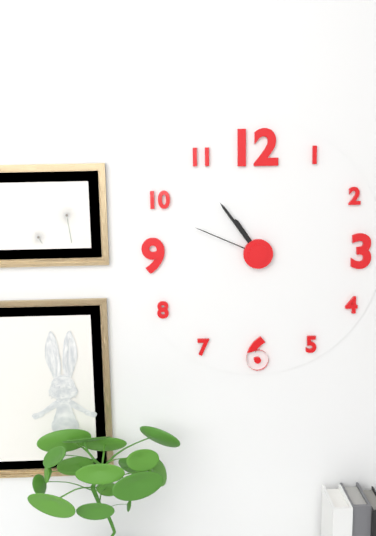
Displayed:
10.54.49
